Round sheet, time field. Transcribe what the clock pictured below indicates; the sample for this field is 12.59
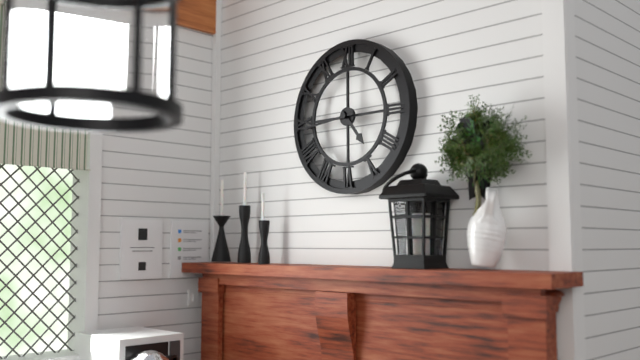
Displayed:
4.44
